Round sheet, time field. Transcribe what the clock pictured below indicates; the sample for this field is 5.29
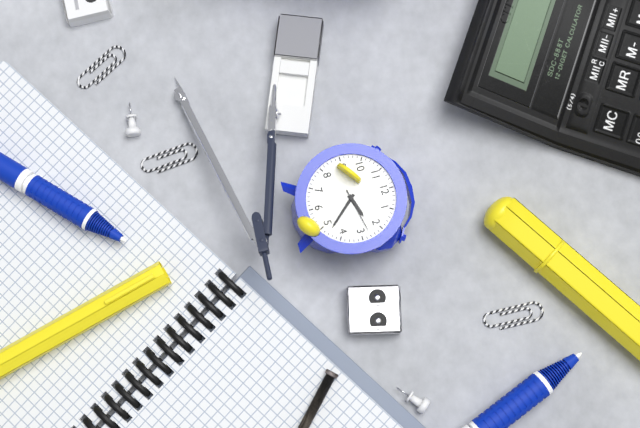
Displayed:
2.23
